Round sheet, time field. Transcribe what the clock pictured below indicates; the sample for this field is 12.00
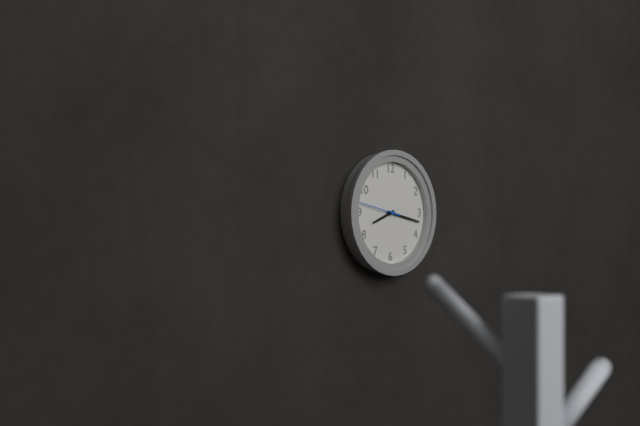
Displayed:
8.17
